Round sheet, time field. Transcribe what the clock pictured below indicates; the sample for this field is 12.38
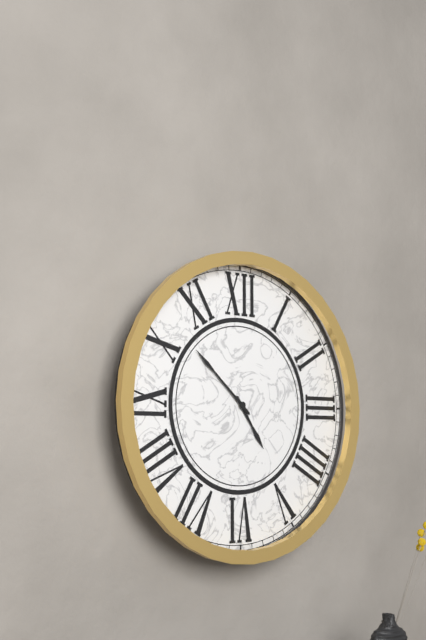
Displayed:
4.52
